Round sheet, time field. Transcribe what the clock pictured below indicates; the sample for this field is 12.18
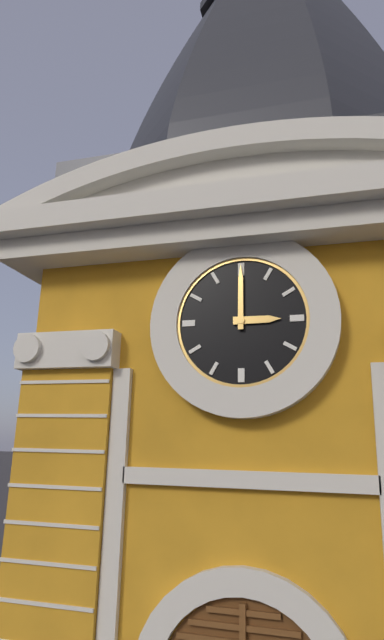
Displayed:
3.00
